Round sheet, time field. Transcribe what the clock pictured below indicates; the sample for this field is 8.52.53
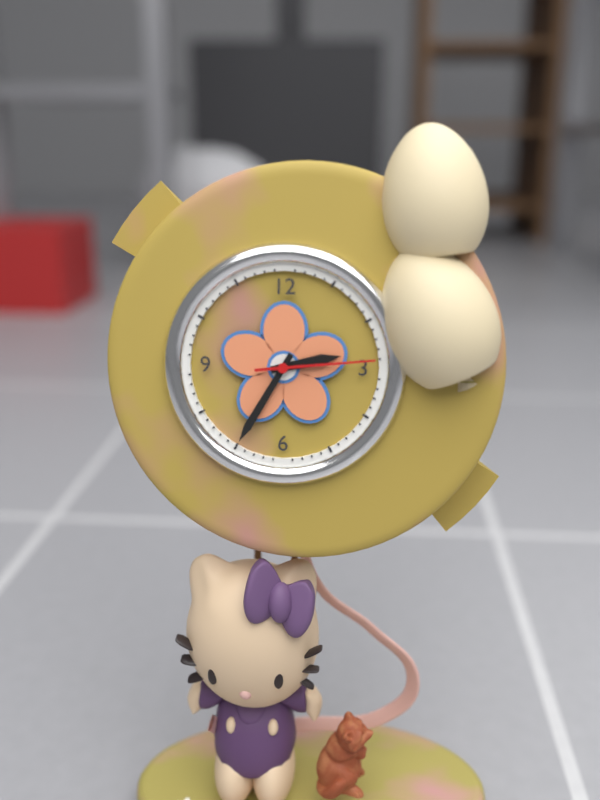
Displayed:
2.35.14
